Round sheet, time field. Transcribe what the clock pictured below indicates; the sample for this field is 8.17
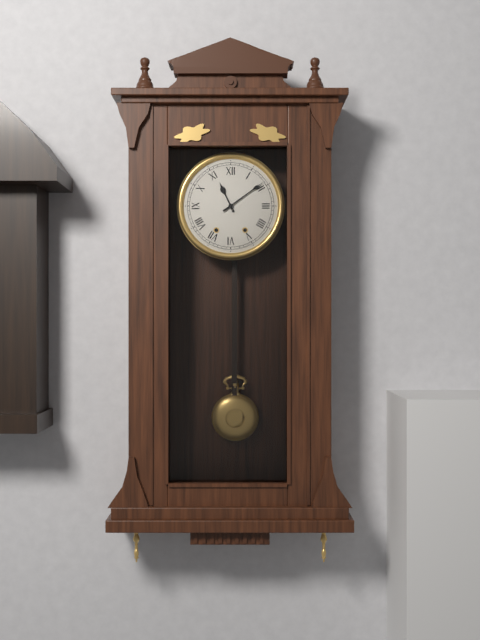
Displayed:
11.09
